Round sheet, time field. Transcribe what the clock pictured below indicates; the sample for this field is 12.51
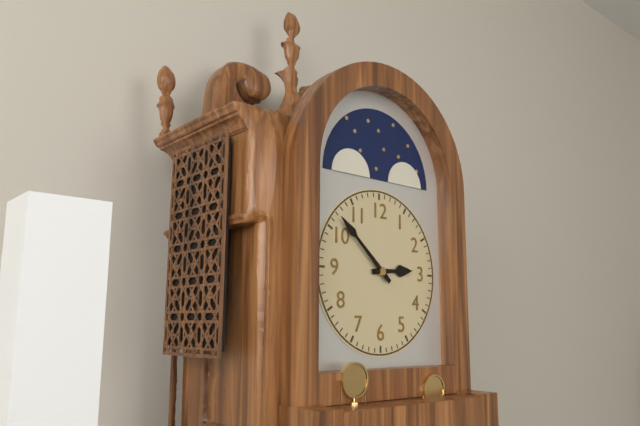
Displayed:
2.52
